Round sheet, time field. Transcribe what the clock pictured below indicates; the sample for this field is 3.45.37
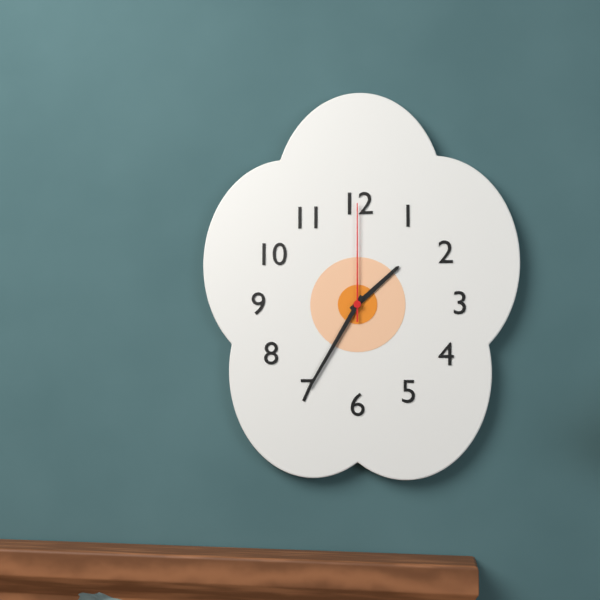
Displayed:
1.35.00
